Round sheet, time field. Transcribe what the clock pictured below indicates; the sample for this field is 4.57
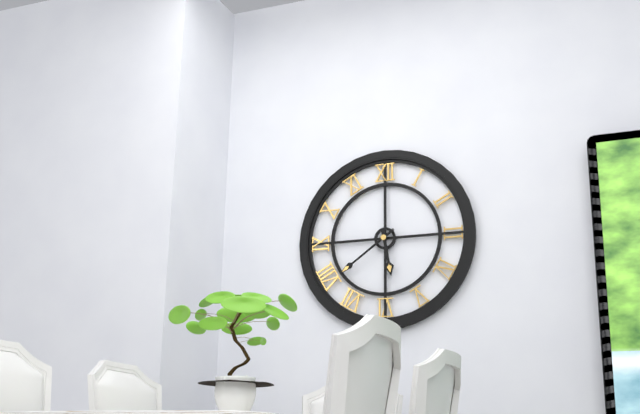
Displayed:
5.39
